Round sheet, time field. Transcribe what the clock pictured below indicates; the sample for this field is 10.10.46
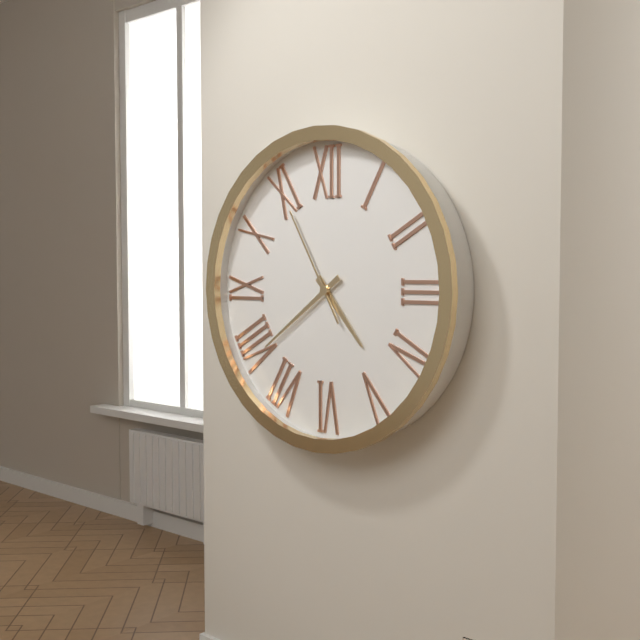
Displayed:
4.39.55
